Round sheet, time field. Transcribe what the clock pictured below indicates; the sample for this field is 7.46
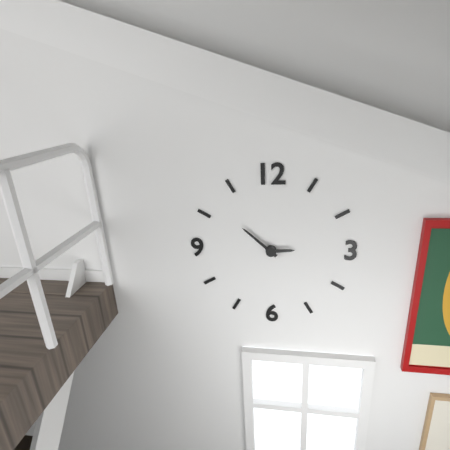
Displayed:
2.52
